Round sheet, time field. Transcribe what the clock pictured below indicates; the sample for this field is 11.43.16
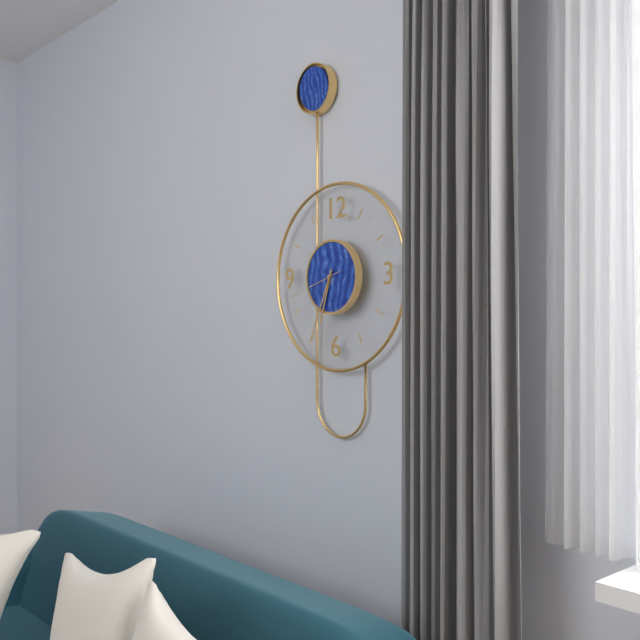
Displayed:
6.34.42
